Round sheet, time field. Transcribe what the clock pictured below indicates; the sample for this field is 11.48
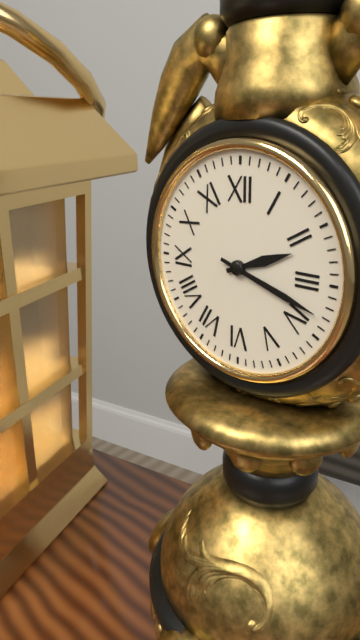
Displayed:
2.18
